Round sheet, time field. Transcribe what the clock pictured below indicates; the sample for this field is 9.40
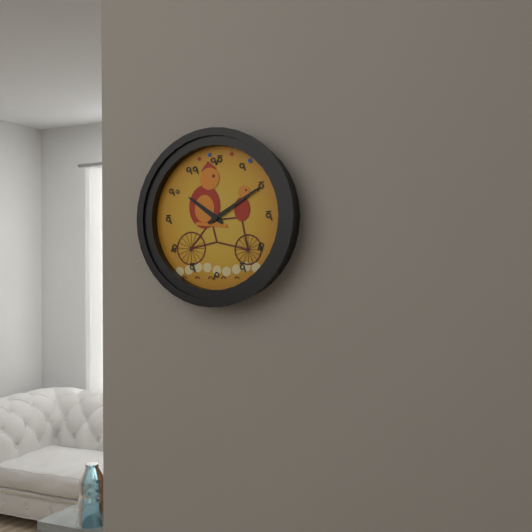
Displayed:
10.10
